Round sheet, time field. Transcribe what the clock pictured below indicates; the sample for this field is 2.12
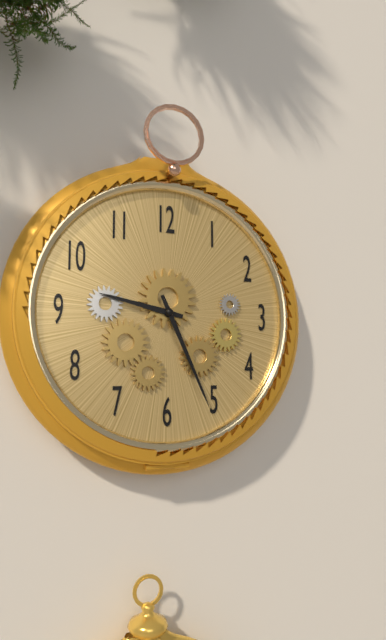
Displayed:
9.26
